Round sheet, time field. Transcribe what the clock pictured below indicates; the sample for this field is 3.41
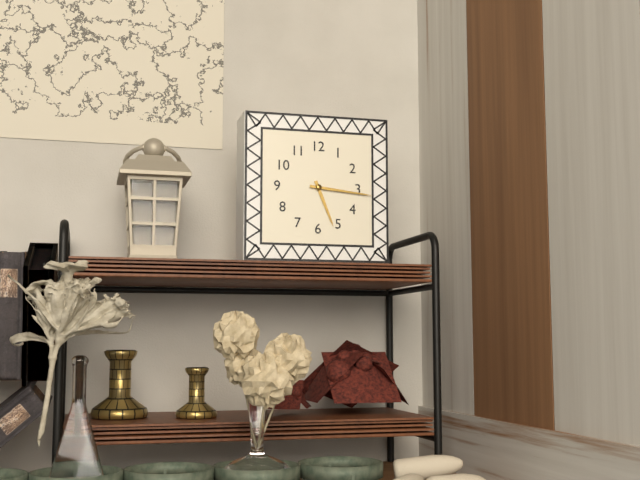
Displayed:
5.16
